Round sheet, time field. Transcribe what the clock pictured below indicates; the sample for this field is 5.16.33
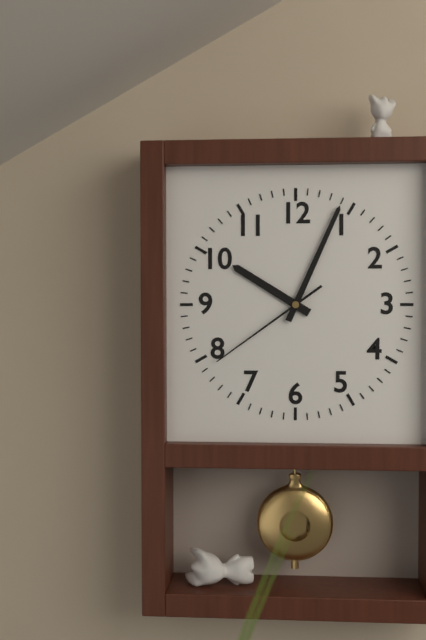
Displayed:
10.04.39
